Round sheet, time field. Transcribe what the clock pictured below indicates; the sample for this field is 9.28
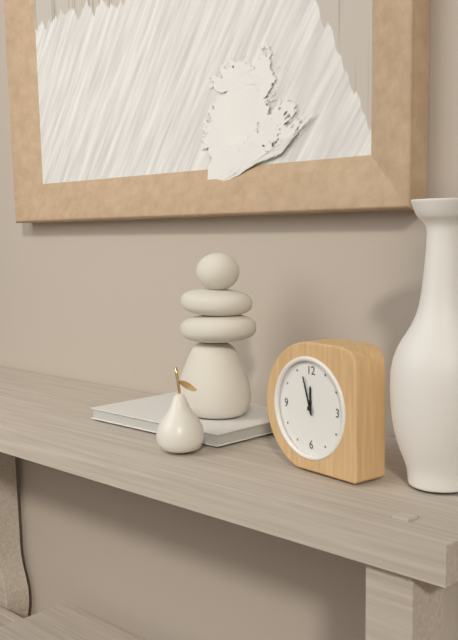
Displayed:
11.57
